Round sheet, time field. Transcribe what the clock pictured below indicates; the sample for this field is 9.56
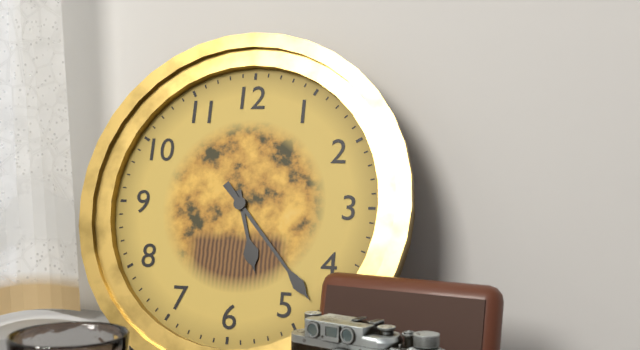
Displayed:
5.23
